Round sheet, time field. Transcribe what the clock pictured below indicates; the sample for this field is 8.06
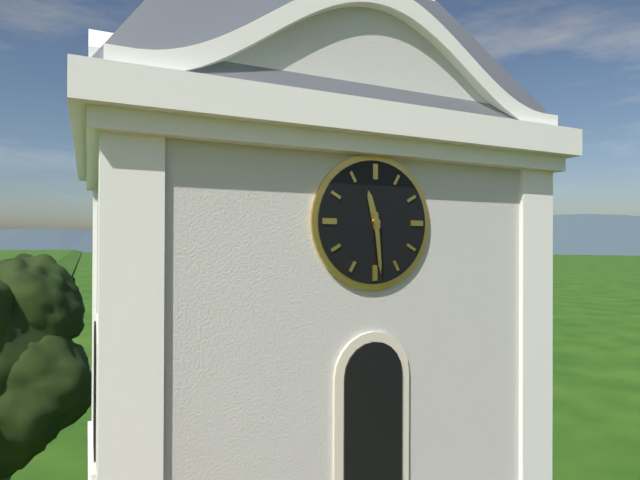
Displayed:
11.29
